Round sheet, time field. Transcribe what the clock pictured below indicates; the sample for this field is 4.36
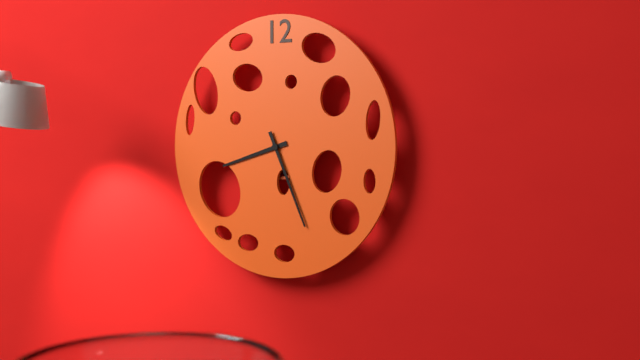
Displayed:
8.26
